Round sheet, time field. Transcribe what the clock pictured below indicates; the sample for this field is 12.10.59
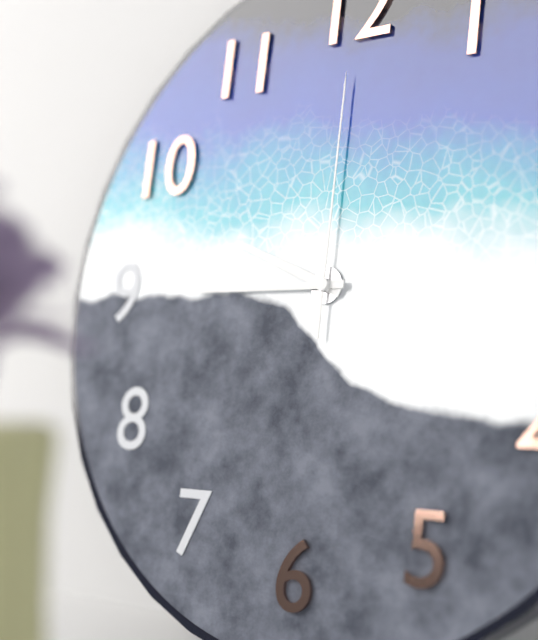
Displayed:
9.45.00
